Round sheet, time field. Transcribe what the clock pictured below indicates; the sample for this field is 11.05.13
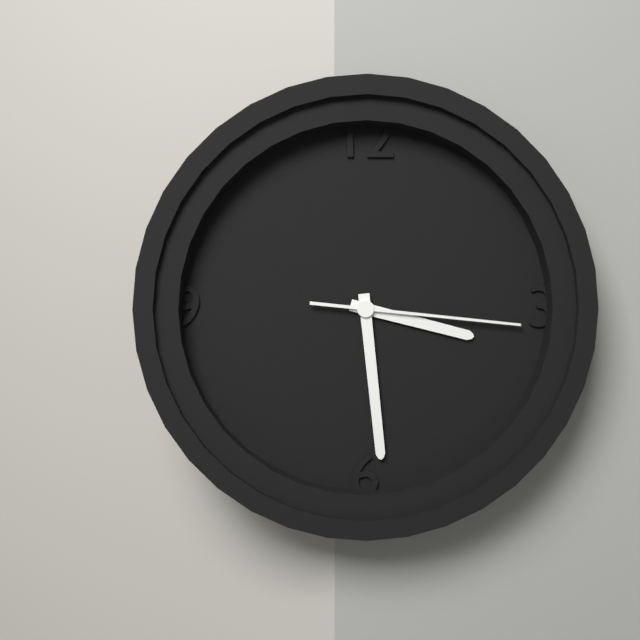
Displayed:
3.29.16
